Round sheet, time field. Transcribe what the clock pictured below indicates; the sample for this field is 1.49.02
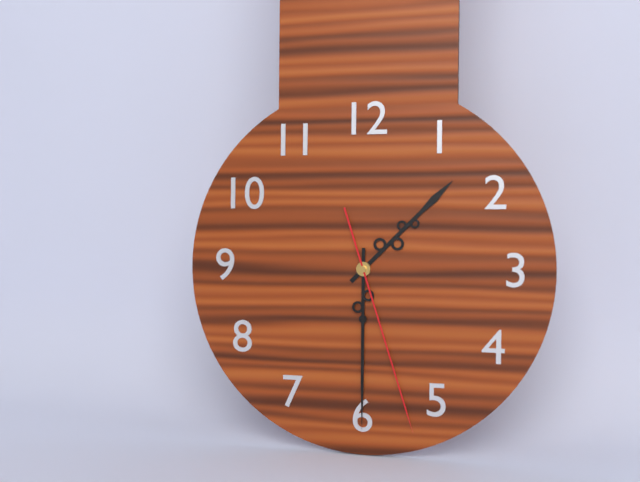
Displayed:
1.30.27
